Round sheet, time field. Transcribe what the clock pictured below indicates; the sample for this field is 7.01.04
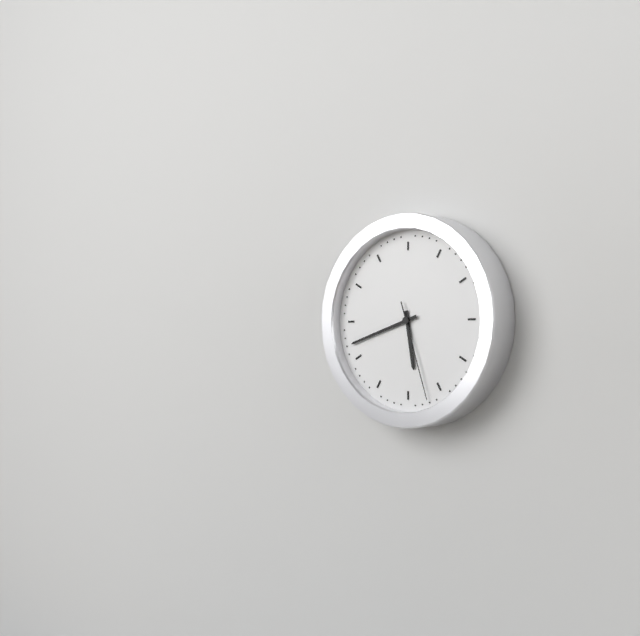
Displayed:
5.42.27
